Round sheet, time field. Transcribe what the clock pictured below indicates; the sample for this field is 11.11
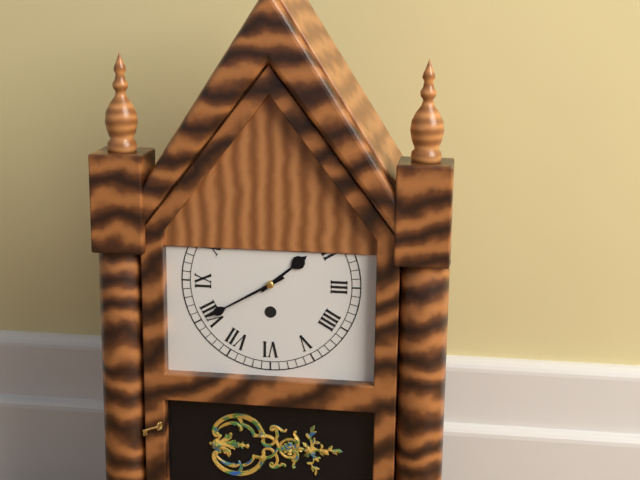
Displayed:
1.40
